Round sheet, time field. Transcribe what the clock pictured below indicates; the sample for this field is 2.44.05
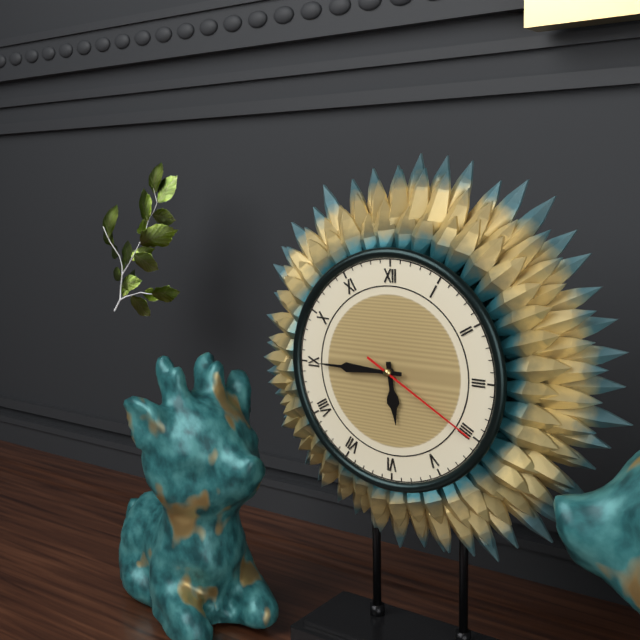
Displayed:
5.45.20
